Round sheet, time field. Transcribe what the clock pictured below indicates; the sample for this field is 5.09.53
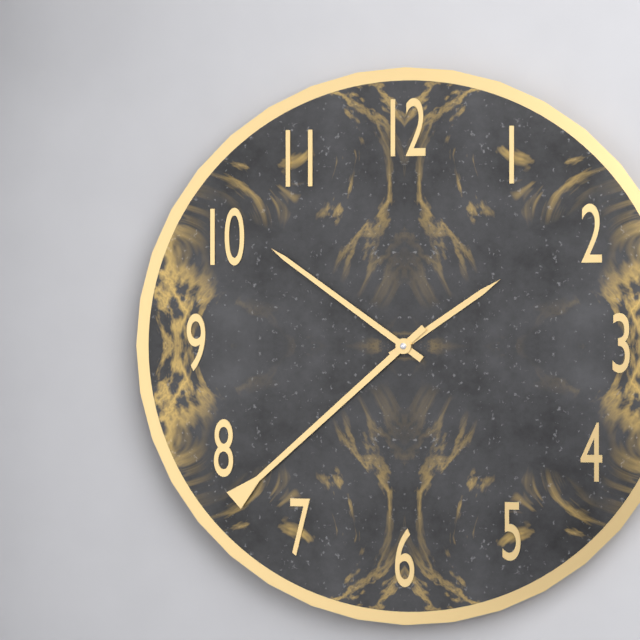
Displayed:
1.51.38
